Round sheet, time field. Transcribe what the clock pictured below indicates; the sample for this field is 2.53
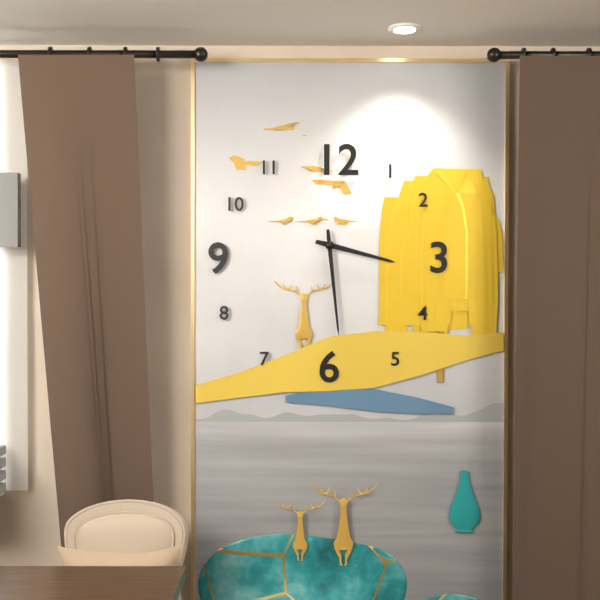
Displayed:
3.29
